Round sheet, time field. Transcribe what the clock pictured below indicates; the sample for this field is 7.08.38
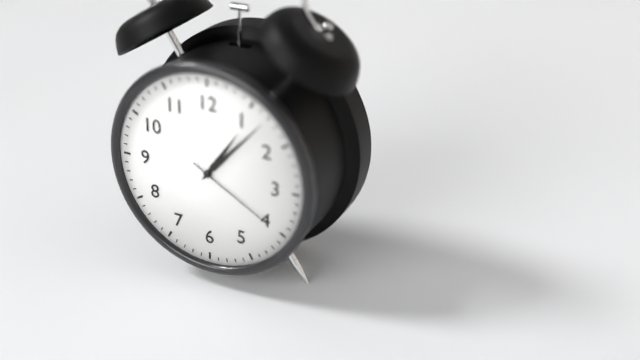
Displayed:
1.07.20
